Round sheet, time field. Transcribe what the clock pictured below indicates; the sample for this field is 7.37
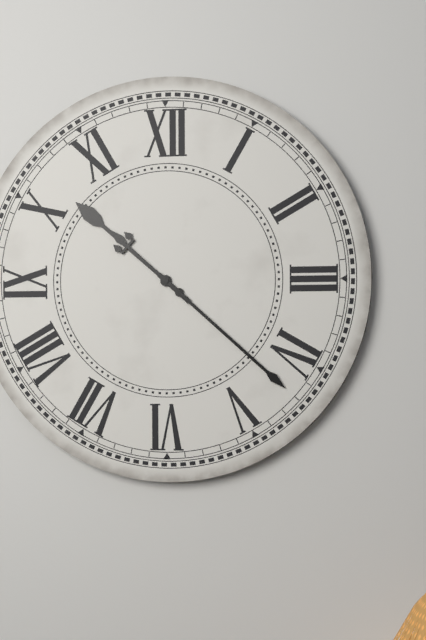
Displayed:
10.22
